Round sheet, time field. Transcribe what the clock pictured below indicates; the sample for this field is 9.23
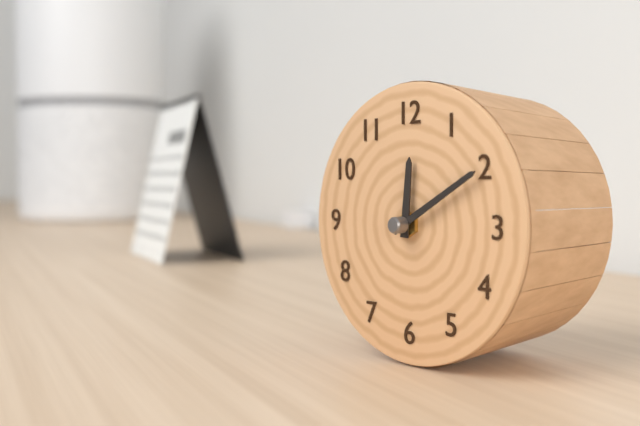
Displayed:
12.10
